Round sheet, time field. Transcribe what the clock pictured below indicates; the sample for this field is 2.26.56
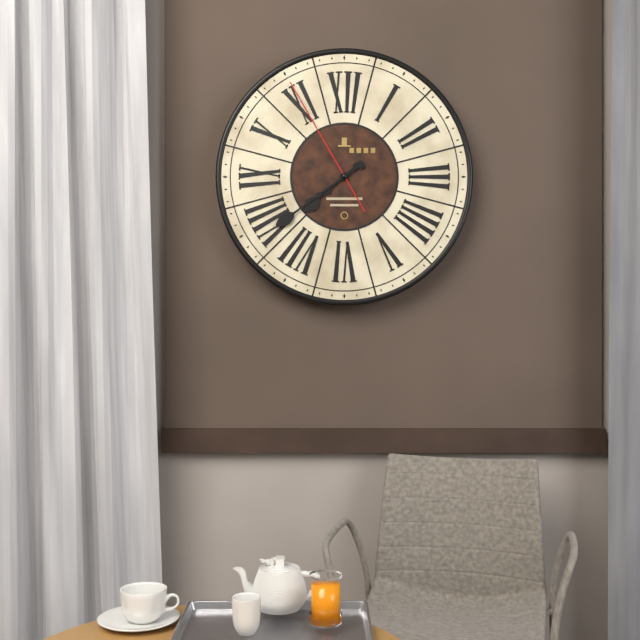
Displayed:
7.39.55
